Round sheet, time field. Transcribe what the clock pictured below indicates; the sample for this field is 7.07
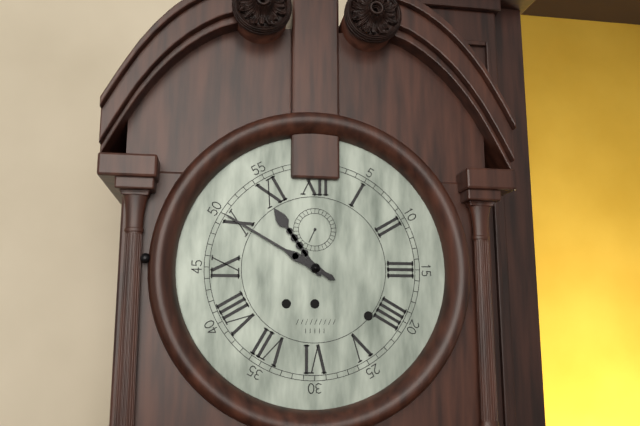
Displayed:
10.50
